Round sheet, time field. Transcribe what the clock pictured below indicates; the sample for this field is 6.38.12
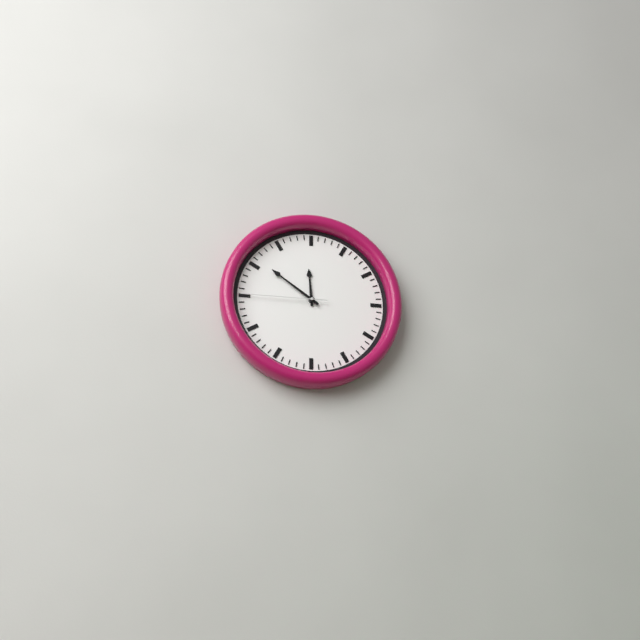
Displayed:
11.51.45
